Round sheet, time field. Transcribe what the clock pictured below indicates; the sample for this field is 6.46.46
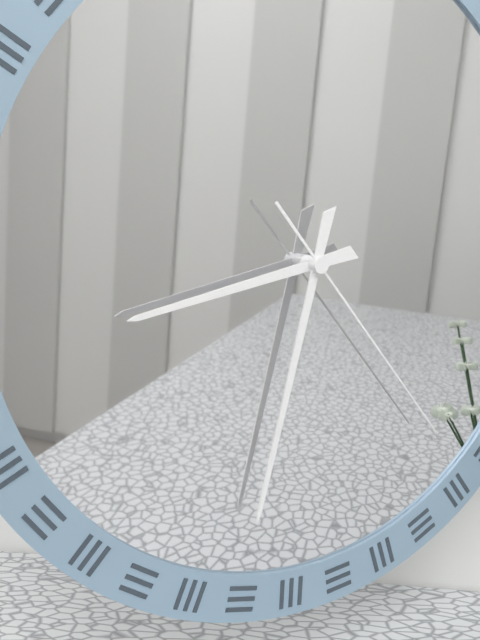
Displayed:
8.32.23
